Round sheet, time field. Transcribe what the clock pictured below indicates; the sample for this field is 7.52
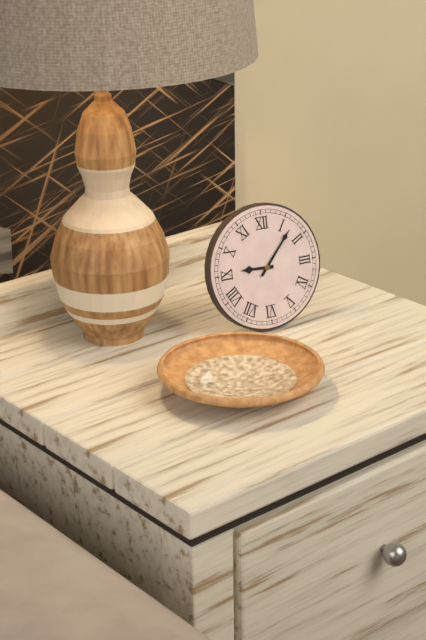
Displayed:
9.07
